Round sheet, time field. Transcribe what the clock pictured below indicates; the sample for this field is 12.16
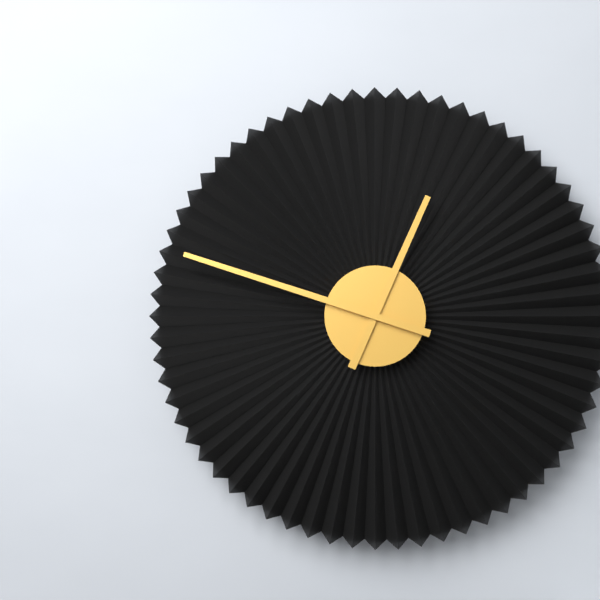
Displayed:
12.48
